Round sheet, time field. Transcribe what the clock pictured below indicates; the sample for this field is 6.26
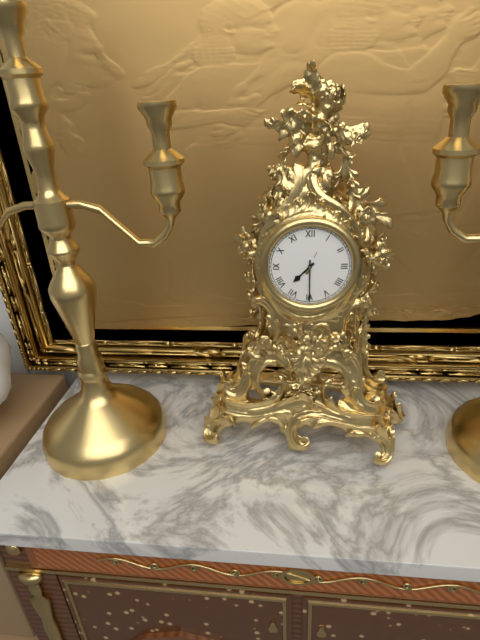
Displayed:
7.30
